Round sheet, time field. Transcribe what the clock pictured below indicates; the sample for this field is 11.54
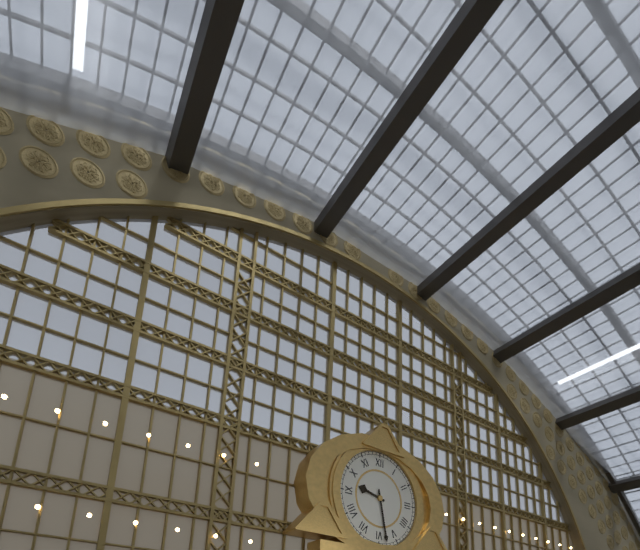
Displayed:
9.28
